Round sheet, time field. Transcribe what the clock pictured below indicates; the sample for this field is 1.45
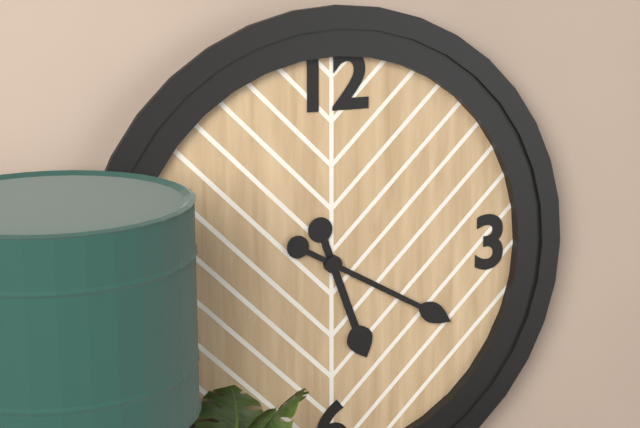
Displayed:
5.20
